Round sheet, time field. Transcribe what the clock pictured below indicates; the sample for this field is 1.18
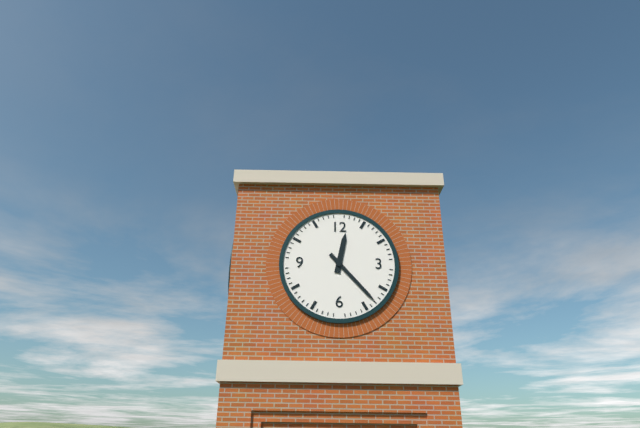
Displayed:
12.23
